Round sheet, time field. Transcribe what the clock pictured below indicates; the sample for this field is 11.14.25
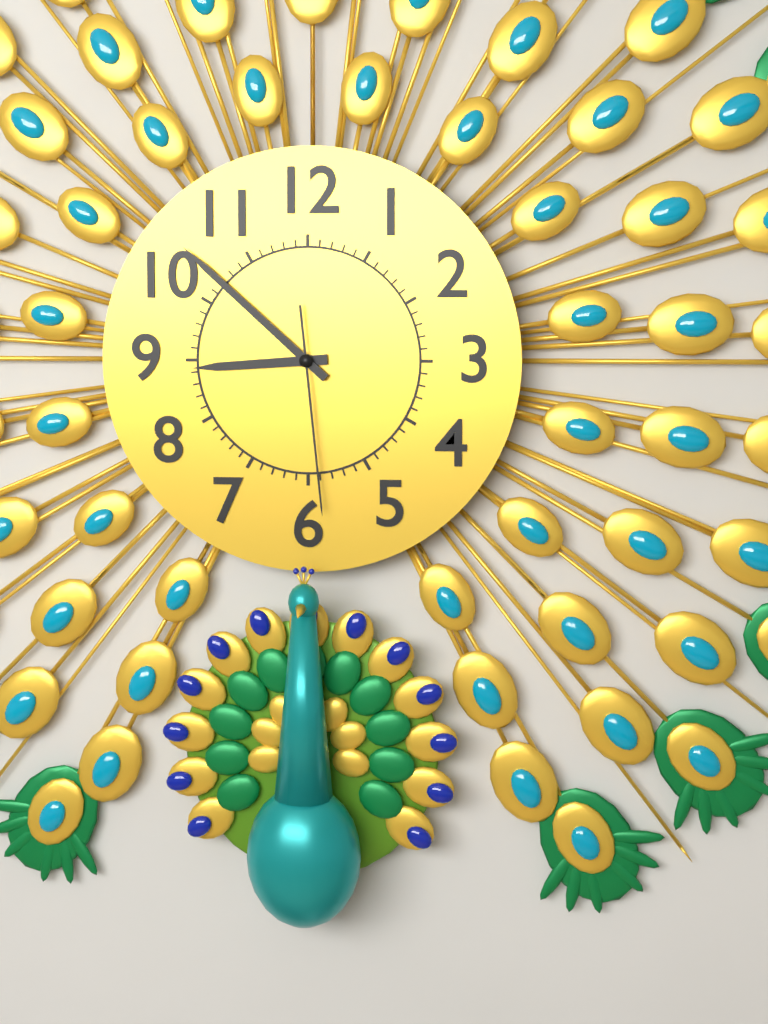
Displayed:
8.52.29
